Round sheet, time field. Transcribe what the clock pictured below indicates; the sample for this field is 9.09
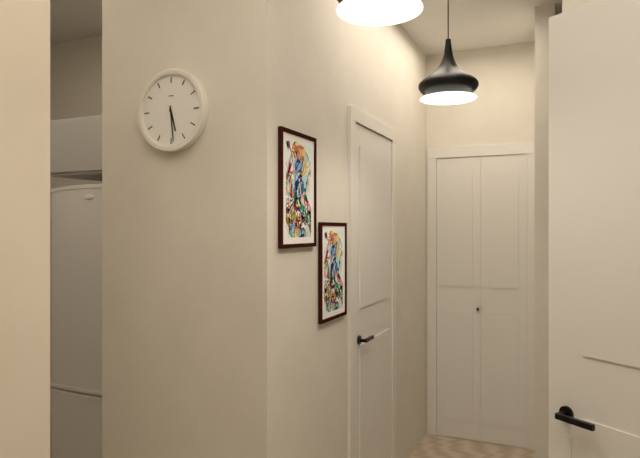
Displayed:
5.29
